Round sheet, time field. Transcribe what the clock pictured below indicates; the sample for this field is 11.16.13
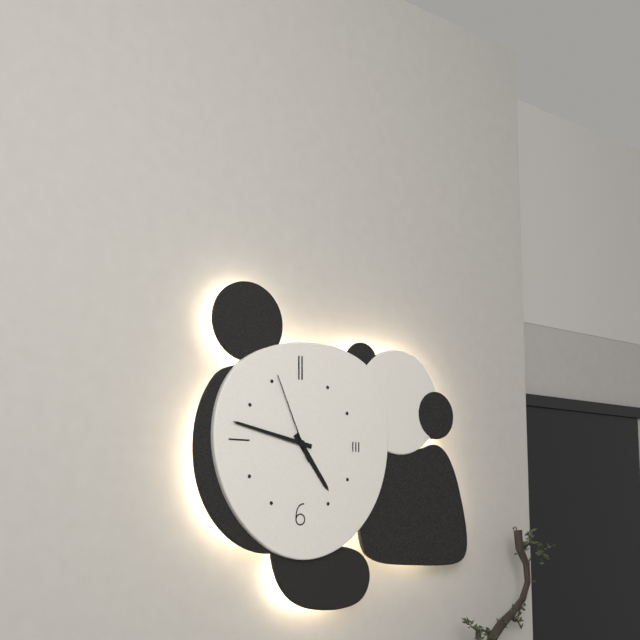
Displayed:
4.47.56
